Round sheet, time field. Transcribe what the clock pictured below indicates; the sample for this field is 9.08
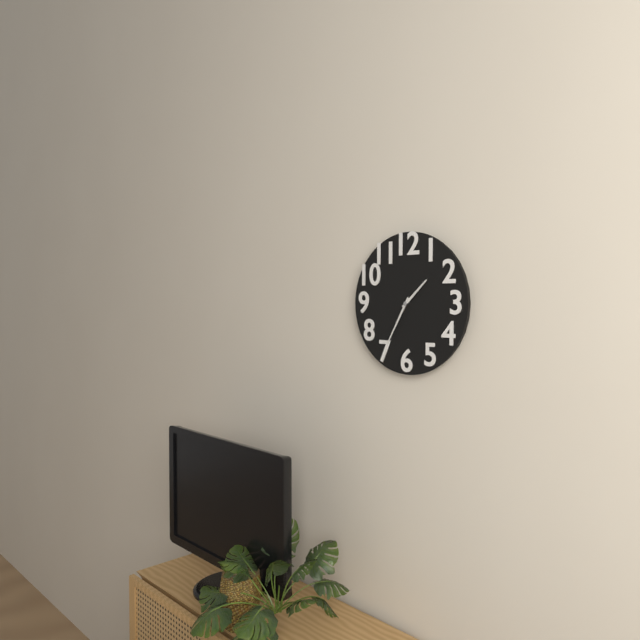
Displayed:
1.35
